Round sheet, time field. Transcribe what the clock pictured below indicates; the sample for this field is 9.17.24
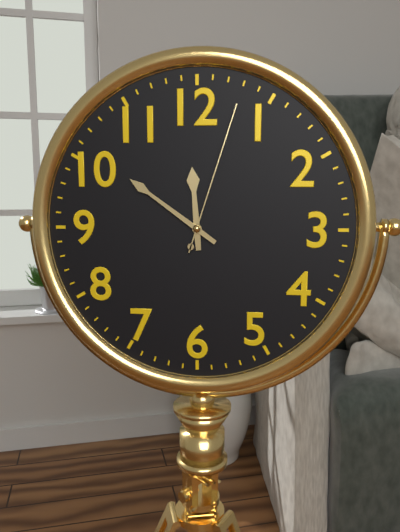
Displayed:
11.51.03
